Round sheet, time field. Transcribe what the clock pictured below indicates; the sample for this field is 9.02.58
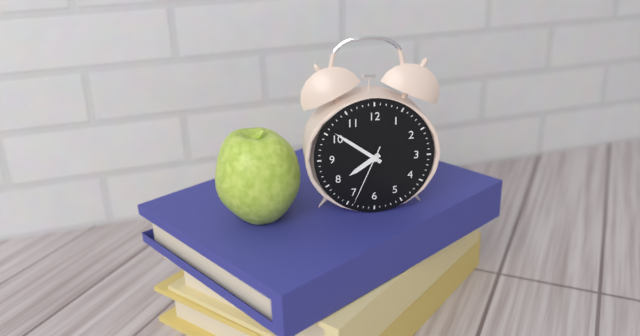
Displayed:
7.51.34
